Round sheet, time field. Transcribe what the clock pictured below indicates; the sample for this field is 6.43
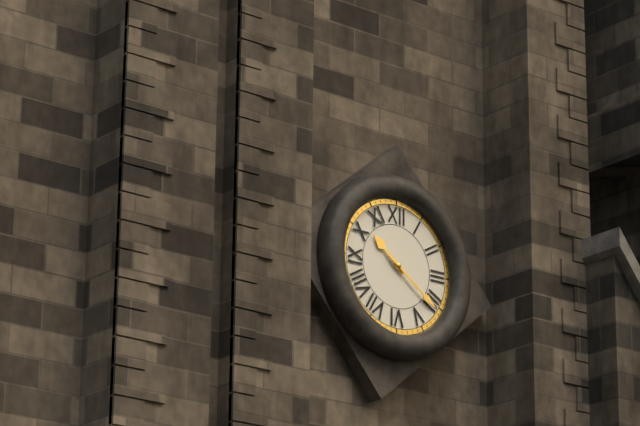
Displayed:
10.21
